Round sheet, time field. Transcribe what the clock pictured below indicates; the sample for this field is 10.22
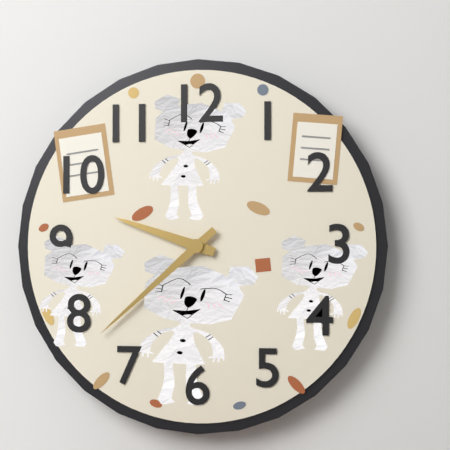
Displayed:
9.38
